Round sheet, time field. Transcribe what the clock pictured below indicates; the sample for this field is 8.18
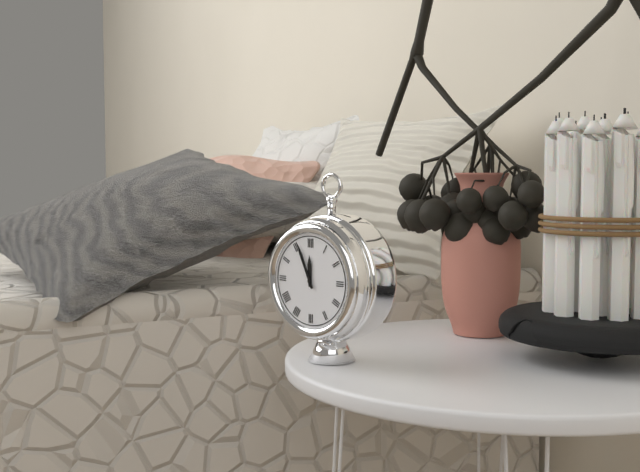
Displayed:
11.56
